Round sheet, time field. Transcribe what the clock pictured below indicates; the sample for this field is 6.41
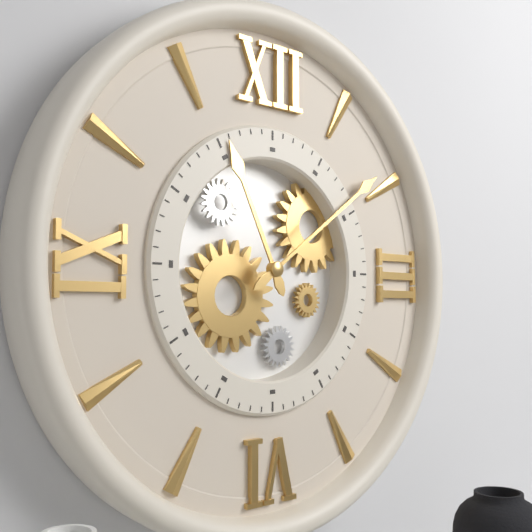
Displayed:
11.09
